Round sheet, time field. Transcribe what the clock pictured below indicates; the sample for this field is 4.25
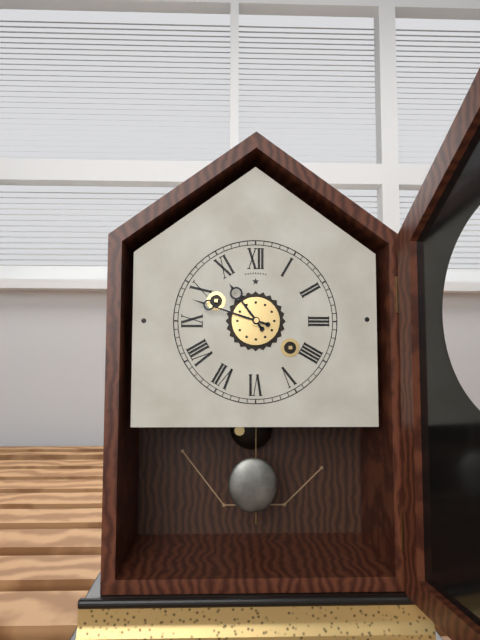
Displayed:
10.48
